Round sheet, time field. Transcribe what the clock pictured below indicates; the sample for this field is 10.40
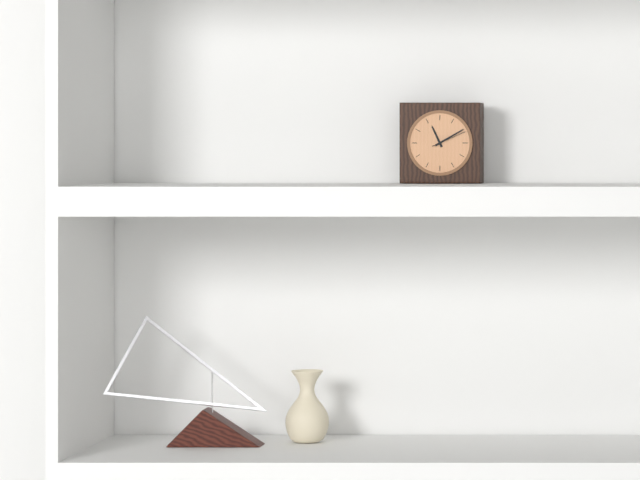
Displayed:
11.10
